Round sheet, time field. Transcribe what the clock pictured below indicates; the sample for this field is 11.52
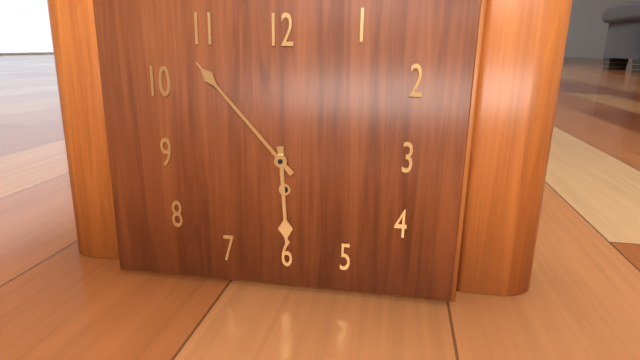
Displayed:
5.53
